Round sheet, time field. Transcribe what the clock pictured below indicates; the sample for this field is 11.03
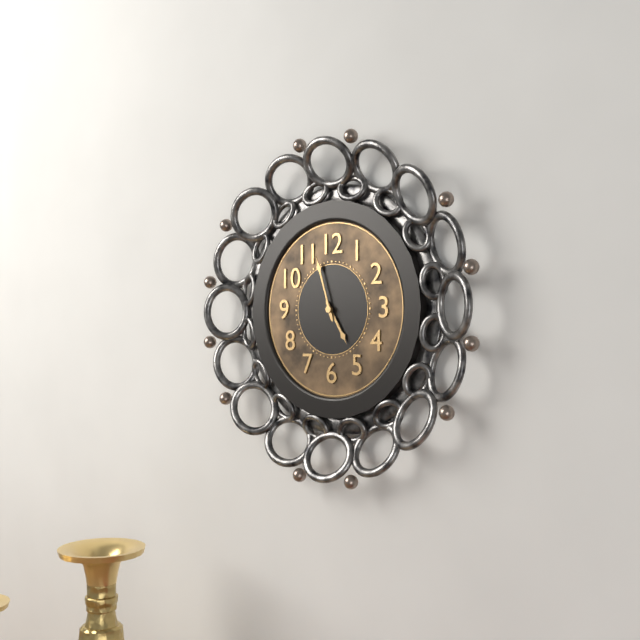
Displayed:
4.57
